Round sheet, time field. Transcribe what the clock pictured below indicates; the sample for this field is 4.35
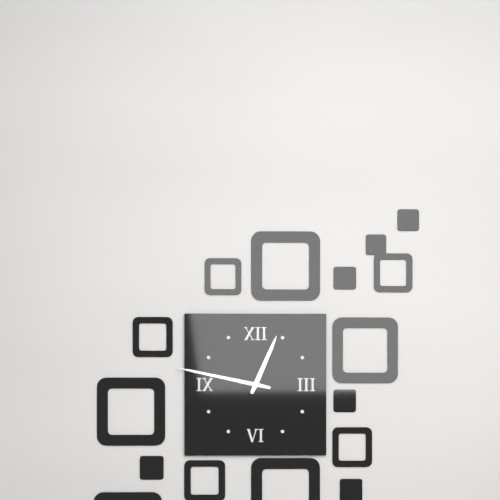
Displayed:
12.47
